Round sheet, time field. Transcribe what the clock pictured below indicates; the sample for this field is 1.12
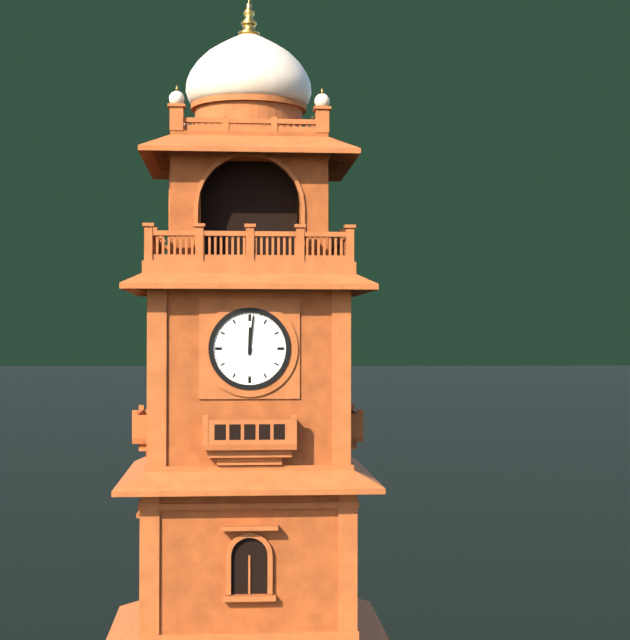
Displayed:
12.01
